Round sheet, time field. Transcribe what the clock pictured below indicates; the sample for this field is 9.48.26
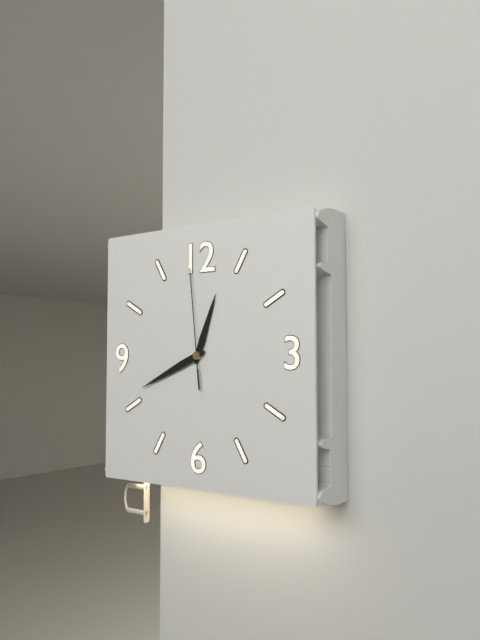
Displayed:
12.41.59
